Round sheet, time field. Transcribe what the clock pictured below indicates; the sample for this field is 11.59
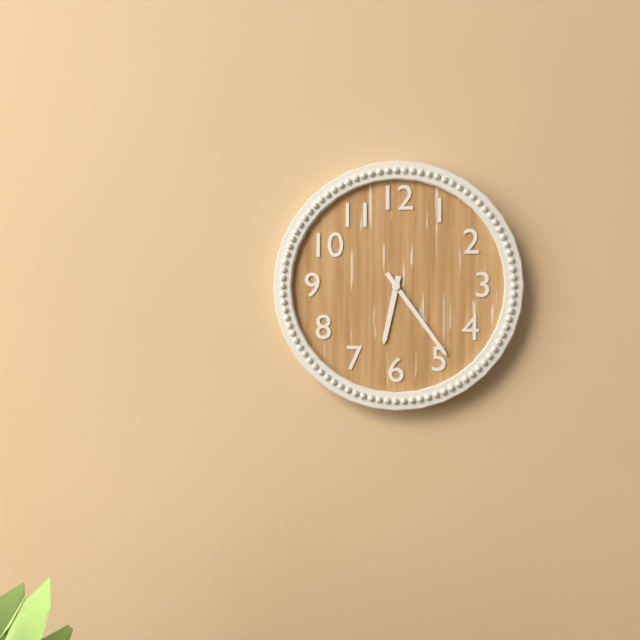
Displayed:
6.24
